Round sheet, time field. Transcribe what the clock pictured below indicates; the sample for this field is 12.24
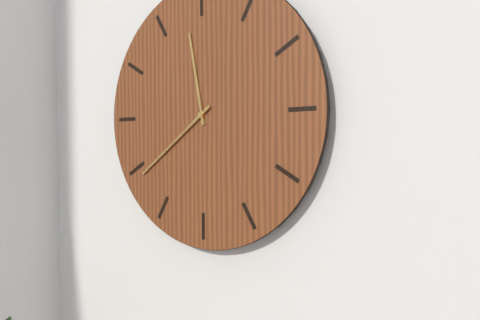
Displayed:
11.39
